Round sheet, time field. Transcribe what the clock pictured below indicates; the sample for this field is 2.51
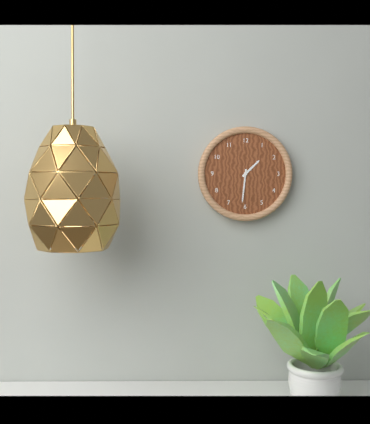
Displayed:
1.31
